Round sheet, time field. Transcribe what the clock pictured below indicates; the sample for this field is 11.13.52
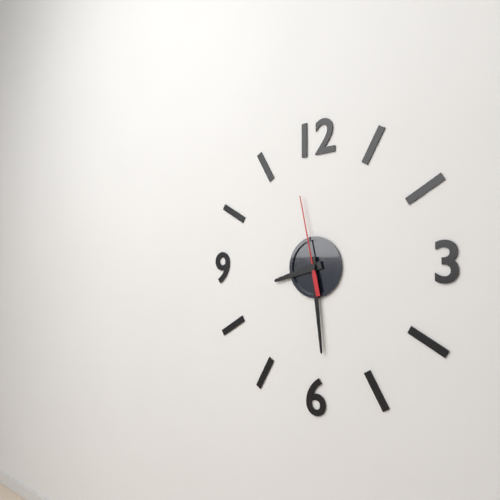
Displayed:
8.29.58
